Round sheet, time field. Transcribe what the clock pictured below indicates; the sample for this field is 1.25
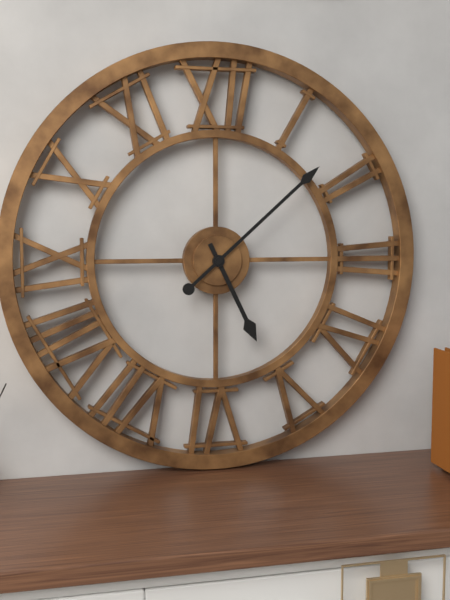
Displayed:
5.08
